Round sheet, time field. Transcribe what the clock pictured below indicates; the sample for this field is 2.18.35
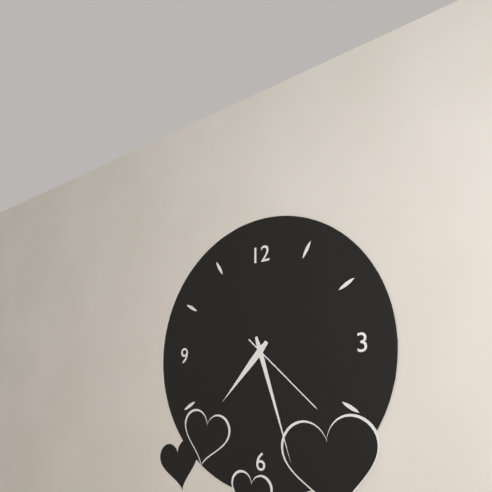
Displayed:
7.27.22
